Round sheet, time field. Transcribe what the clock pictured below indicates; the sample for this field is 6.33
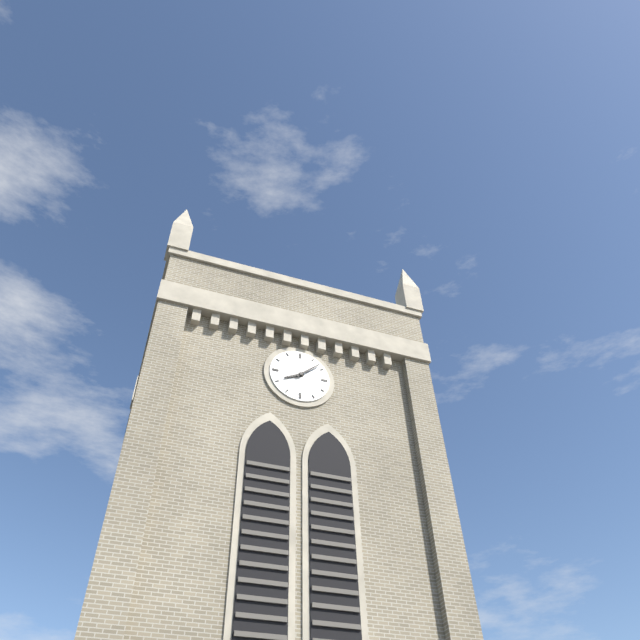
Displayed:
8.08
